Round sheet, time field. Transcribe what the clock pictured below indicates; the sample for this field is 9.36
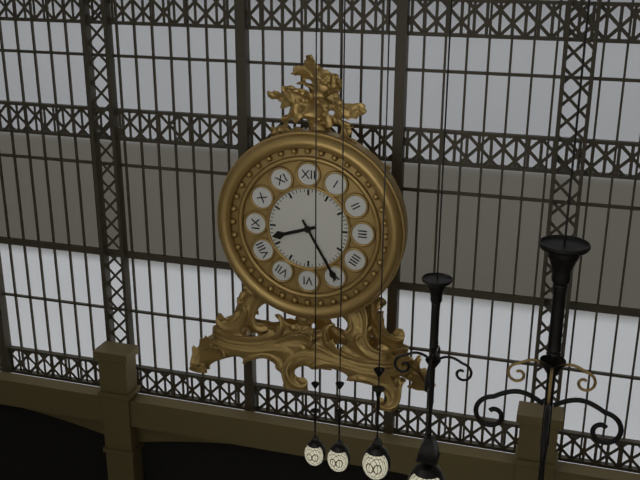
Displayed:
8.25
